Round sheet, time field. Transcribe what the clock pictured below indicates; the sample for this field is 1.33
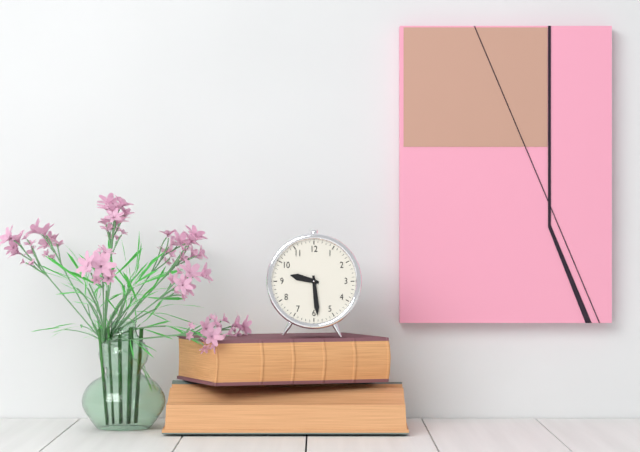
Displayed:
9.29
